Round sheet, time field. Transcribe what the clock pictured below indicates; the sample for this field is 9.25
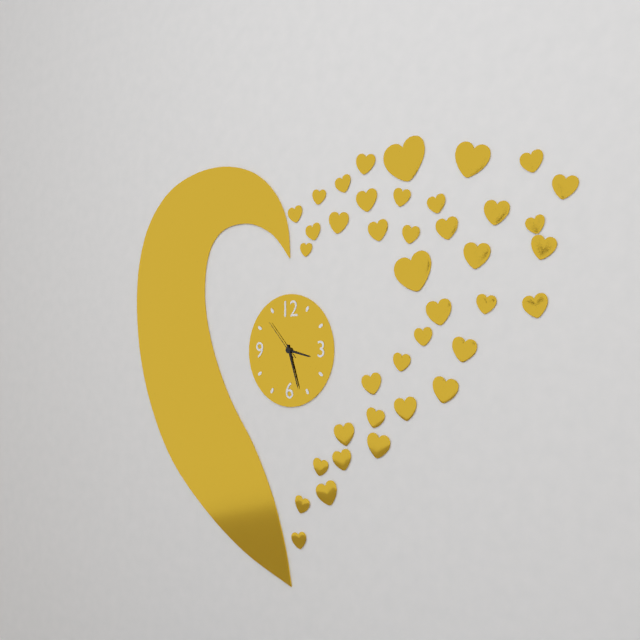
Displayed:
3.27
